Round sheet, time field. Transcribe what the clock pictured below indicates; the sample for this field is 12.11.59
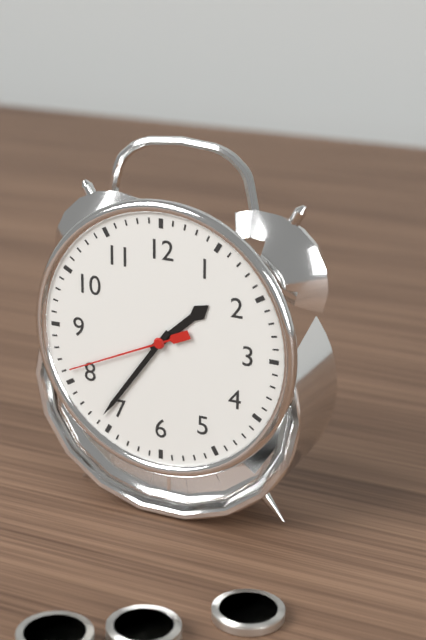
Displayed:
1.36.41
